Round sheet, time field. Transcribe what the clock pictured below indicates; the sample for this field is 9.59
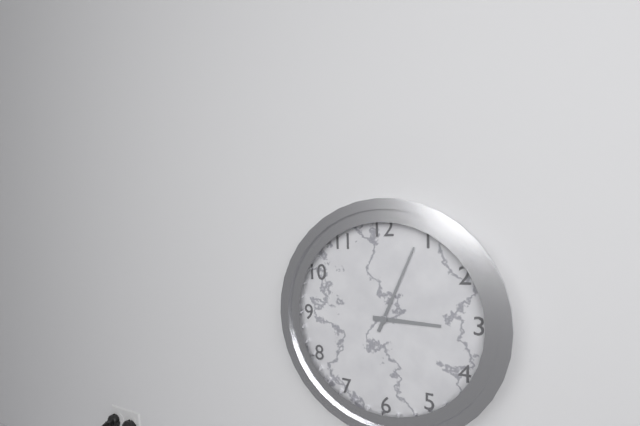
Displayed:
3.04
